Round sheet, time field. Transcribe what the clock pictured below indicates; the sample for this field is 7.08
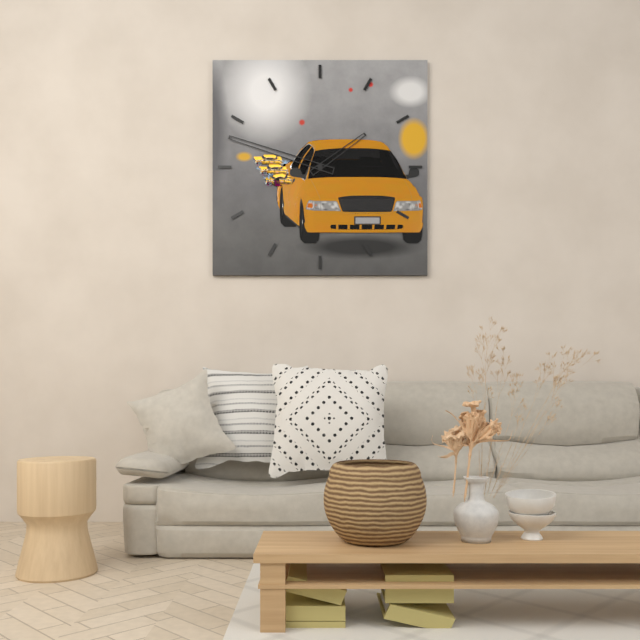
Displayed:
1.48
